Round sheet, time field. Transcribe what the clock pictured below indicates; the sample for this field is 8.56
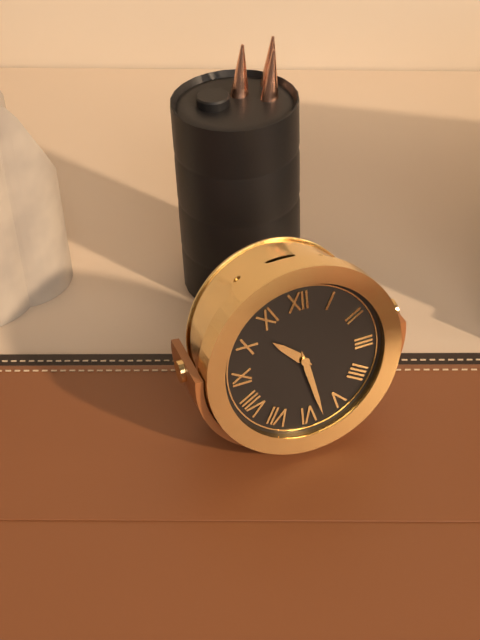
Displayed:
10.28
